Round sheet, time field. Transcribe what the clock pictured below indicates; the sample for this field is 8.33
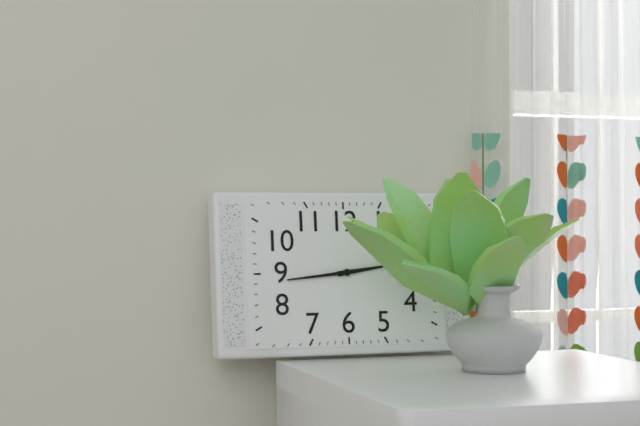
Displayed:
2.44
